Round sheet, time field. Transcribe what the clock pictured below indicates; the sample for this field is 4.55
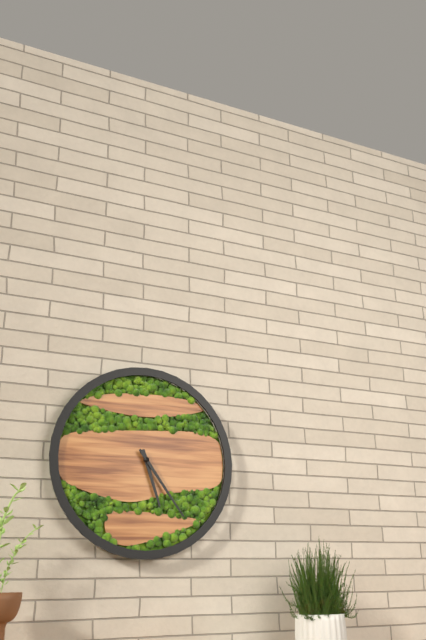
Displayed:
5.24
